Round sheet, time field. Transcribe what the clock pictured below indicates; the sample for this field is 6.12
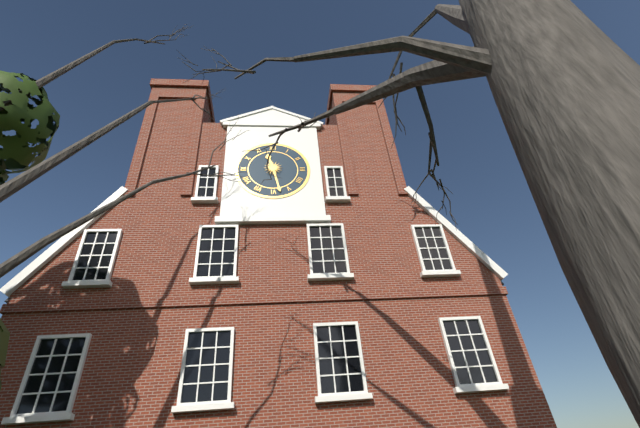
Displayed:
11.28
